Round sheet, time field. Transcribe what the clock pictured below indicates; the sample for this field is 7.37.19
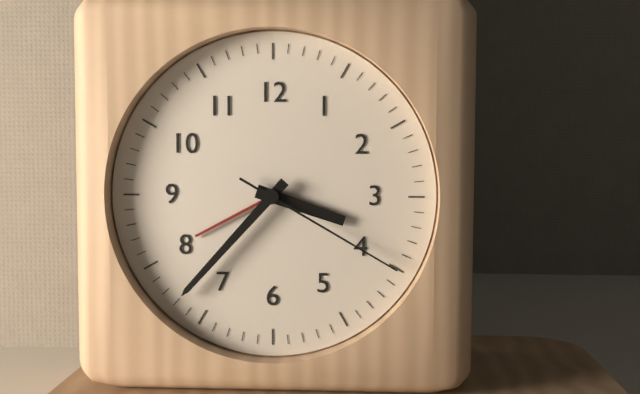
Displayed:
3.37.20
